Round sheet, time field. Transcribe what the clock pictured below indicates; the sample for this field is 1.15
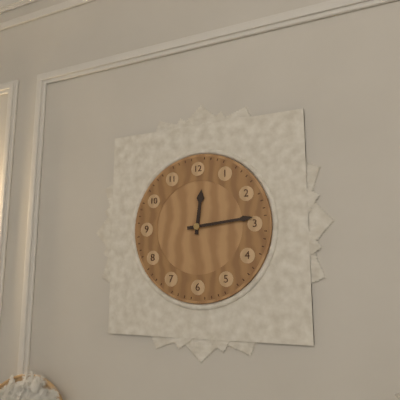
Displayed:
12.14
